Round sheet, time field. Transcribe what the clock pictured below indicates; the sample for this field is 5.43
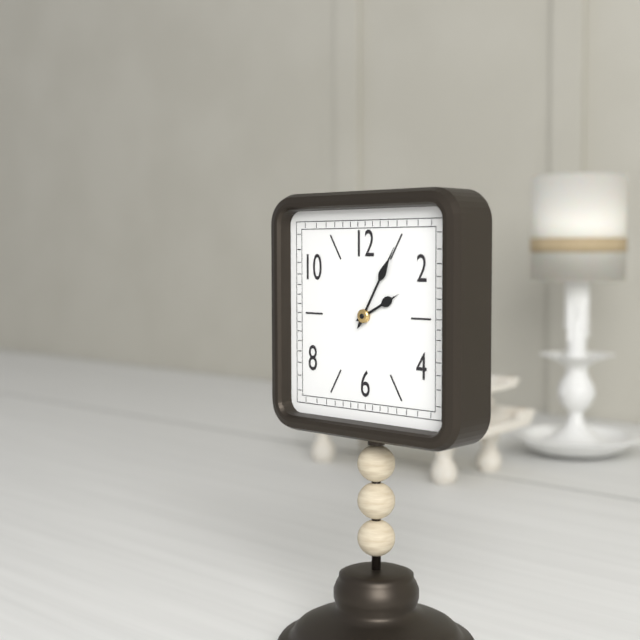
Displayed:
2.05
